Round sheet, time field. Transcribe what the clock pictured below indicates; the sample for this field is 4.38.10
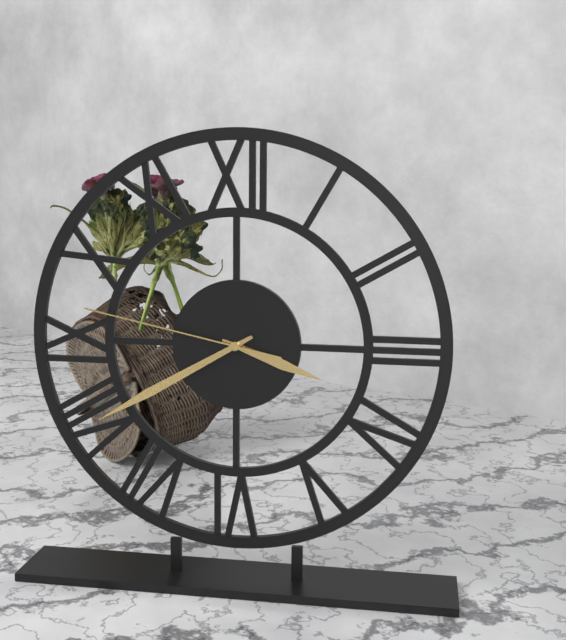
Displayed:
3.40.47
